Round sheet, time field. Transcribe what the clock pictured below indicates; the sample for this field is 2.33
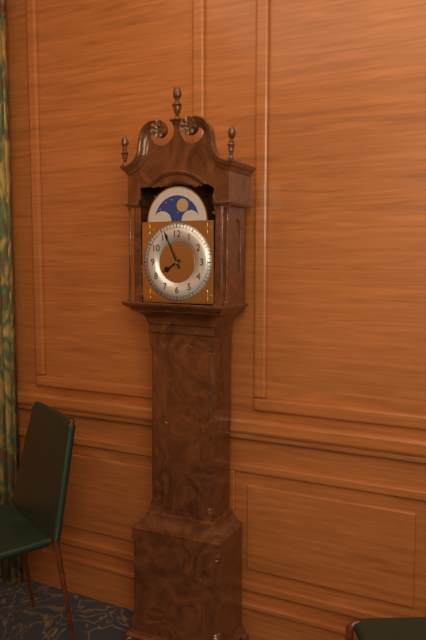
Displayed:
7.56
